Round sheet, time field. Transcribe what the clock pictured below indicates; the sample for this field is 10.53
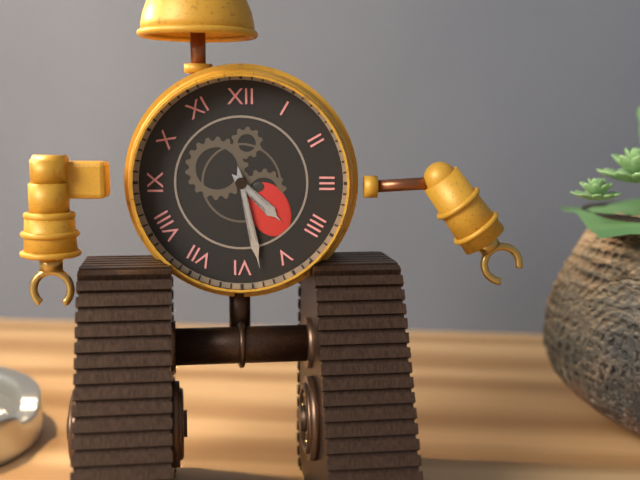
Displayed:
4.28
